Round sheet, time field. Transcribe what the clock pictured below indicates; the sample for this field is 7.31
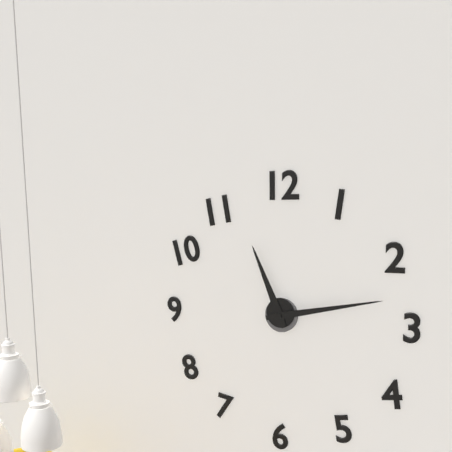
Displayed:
11.13
